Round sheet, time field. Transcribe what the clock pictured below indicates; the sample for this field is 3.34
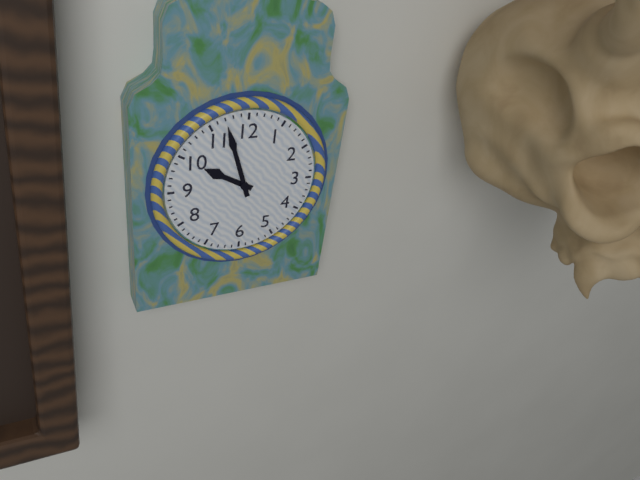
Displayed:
9.57
